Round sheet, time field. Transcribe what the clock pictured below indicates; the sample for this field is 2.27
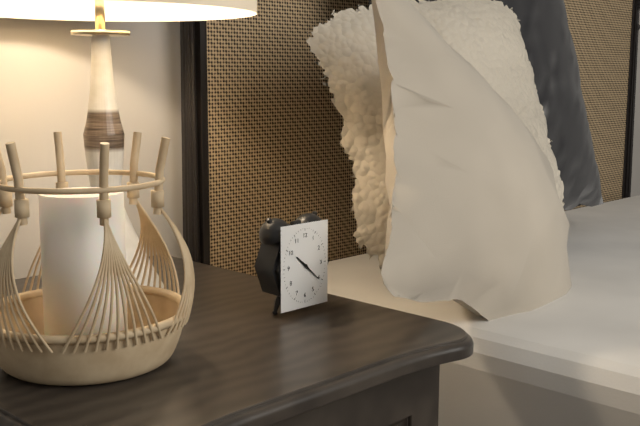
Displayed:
10.22
